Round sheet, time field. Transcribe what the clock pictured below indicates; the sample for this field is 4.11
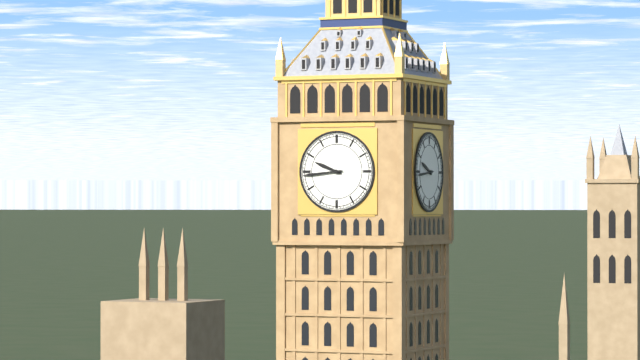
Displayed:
9.44
